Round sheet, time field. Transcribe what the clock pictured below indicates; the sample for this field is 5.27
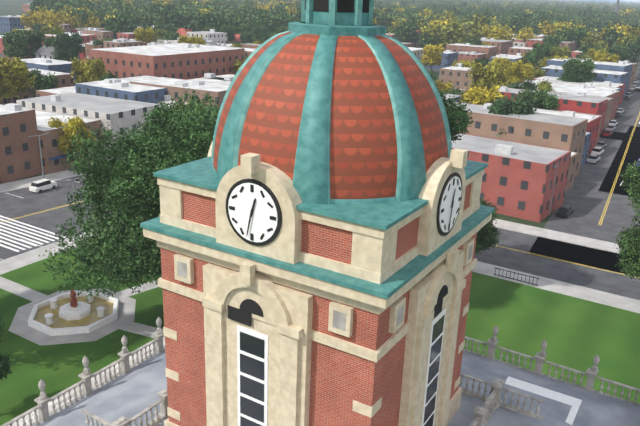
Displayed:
12.32
